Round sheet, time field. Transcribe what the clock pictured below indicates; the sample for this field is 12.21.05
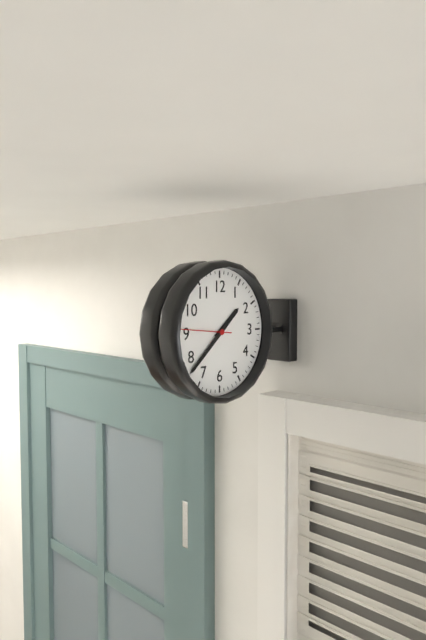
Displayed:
1.38.46
